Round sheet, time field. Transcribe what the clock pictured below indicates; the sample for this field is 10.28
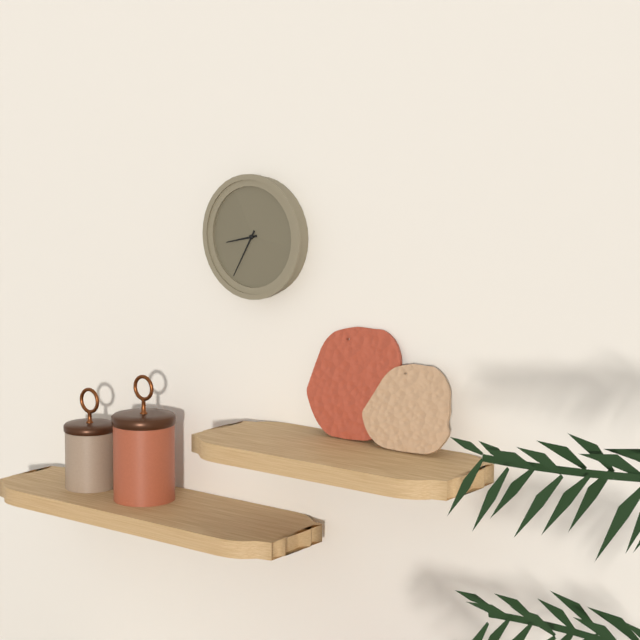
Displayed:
8.35
